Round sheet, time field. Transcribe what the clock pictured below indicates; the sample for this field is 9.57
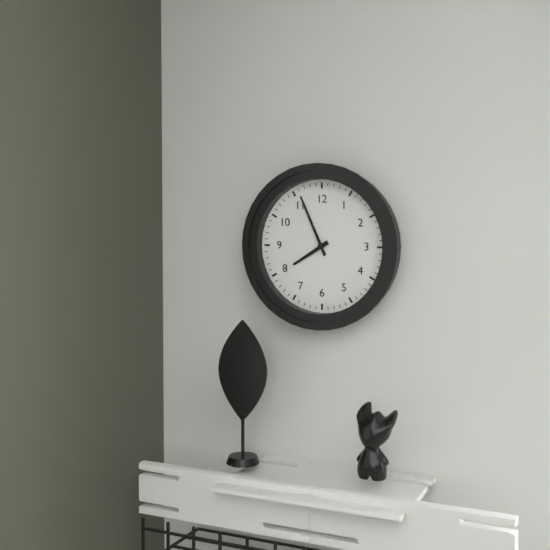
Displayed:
7.56
